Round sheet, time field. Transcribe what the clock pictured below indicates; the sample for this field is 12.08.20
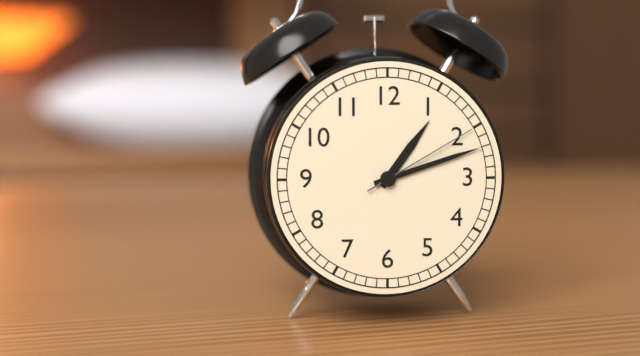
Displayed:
1.12.10
